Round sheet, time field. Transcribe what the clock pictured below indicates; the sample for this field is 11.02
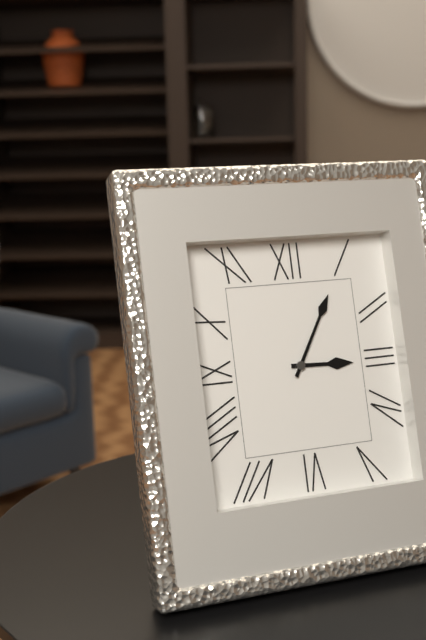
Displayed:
3.05
